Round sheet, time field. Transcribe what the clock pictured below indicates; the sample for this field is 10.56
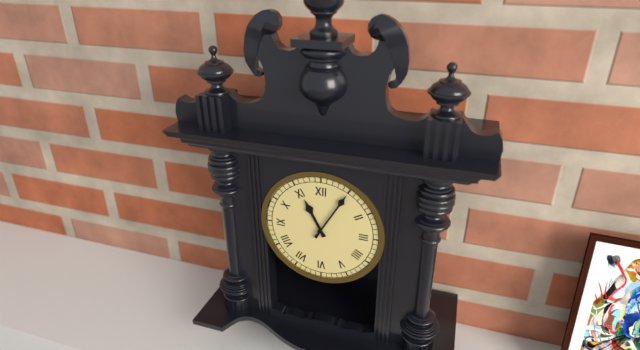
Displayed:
11.05
